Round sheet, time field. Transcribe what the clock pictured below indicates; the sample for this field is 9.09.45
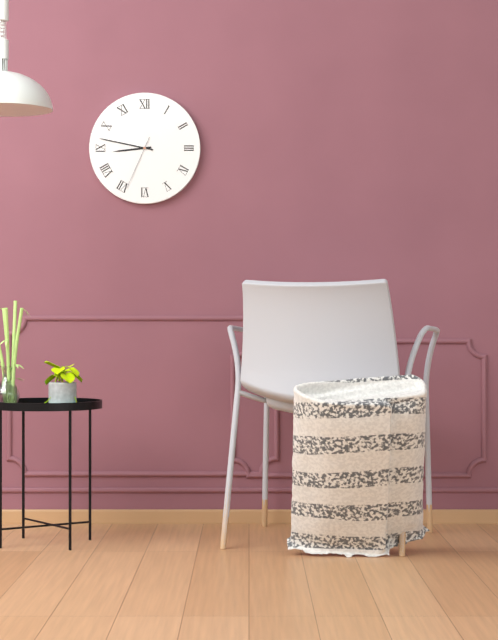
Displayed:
8.47.34
